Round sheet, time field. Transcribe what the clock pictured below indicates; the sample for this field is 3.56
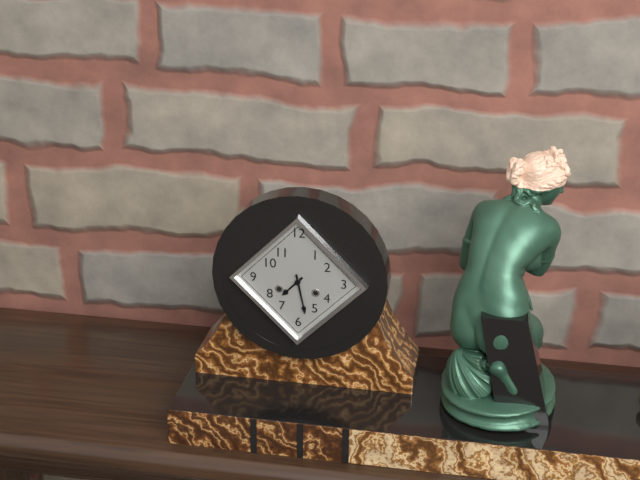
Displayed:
7.28
